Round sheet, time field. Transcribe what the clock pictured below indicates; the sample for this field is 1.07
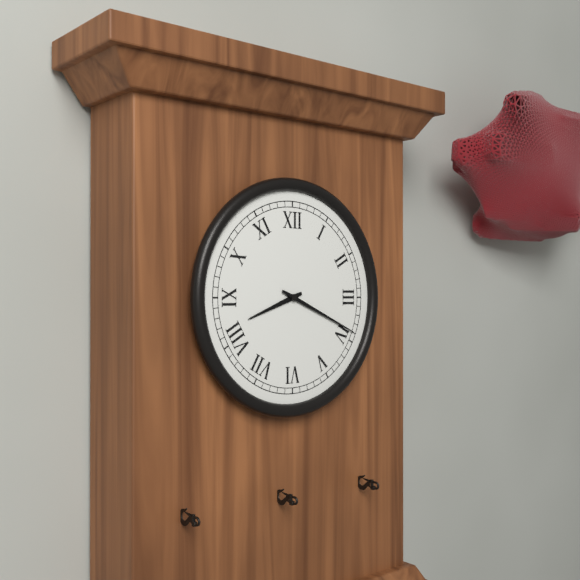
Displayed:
8.19
